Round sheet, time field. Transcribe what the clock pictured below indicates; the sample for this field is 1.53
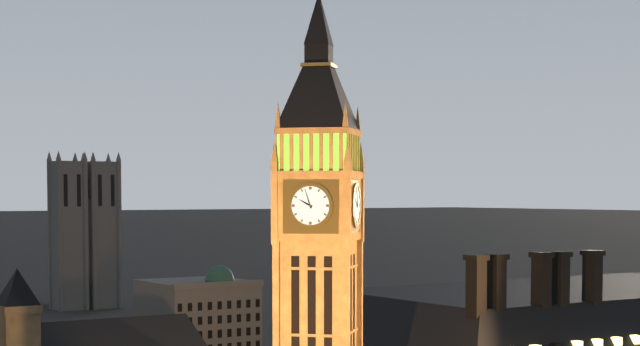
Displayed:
9.57
